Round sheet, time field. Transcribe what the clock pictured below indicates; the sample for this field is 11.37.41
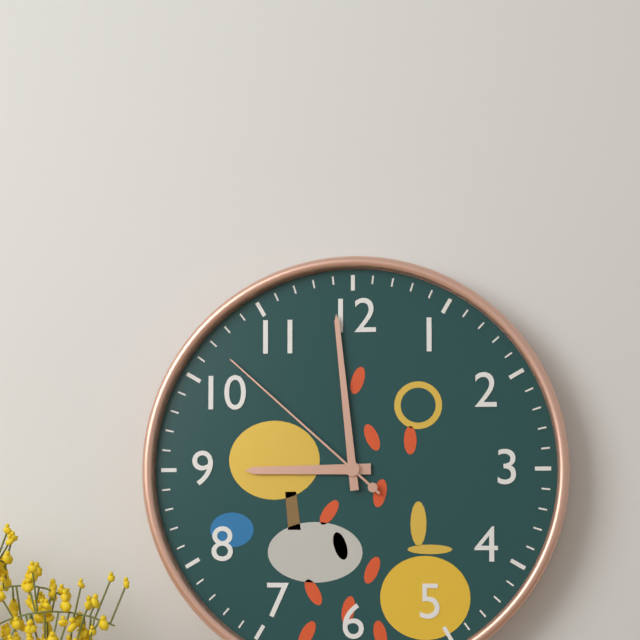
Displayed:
8.59.52
